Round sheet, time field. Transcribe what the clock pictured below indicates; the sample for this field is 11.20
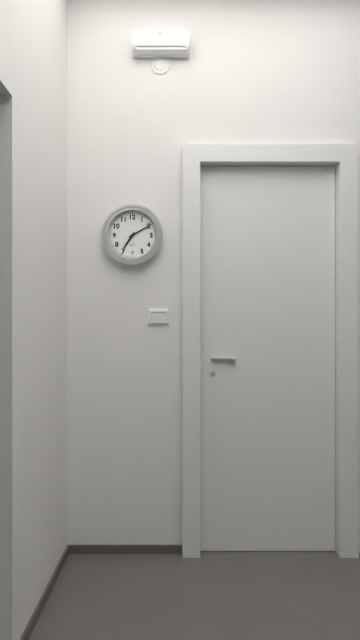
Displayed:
7.10
